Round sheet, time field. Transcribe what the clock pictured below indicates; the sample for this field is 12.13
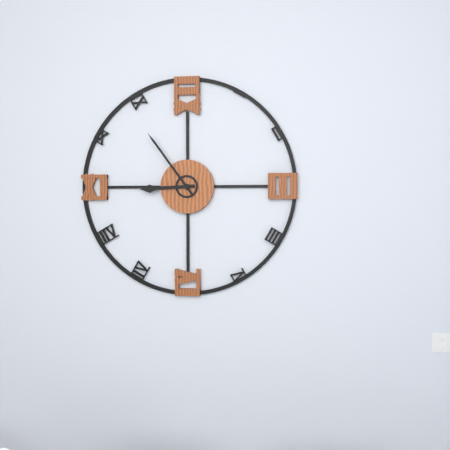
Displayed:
8.54
